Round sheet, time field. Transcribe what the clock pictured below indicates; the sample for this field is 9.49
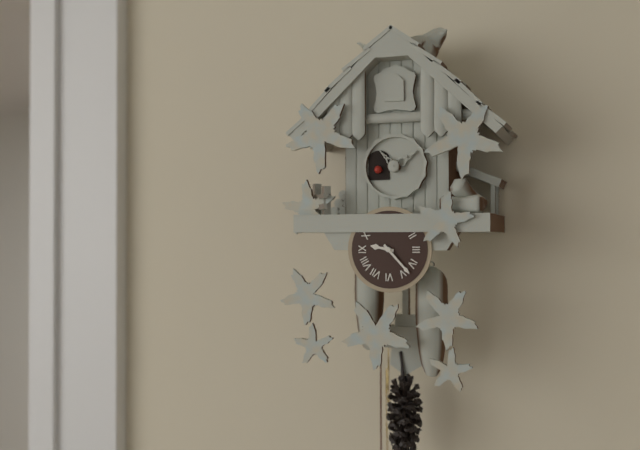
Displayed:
9.23
